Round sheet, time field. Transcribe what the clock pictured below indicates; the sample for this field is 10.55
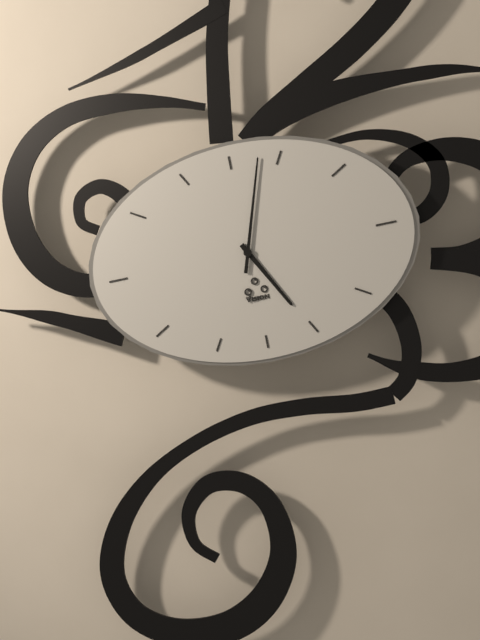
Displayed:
5.03
